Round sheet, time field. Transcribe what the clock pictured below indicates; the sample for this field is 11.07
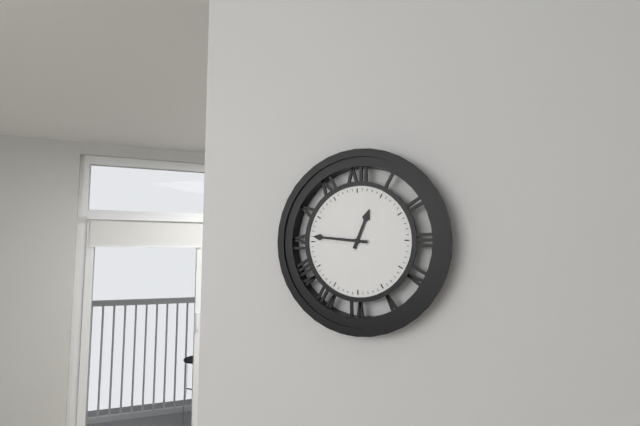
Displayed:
12.46
